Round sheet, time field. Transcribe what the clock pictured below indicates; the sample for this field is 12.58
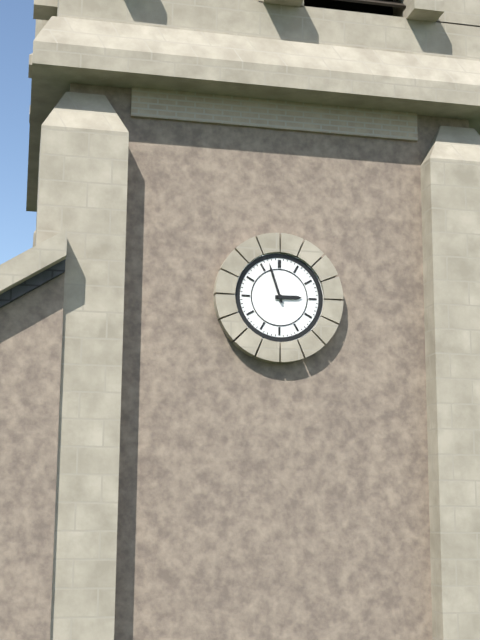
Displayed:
2.57
